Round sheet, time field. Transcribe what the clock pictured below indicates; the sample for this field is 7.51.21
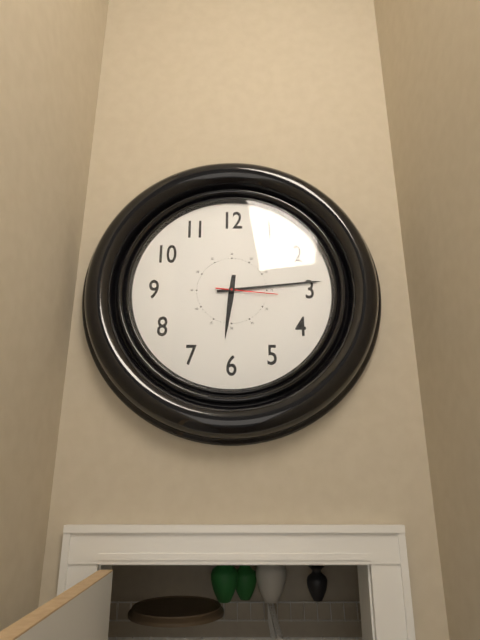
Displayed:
6.14.16
